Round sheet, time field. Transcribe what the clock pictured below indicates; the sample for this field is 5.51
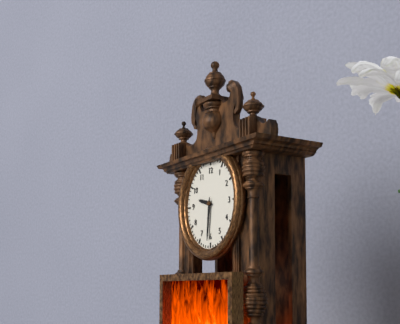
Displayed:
9.31
